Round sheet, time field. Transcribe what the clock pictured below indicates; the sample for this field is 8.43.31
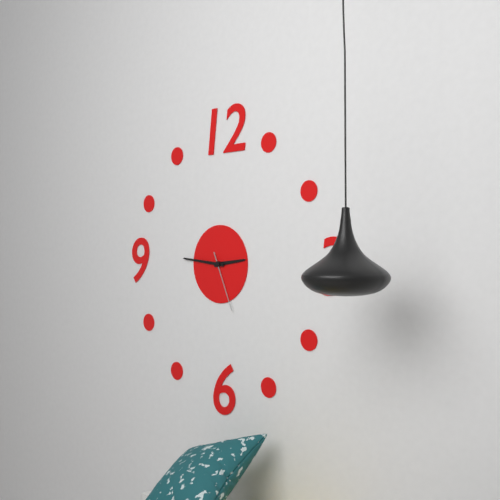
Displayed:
2.46.26
